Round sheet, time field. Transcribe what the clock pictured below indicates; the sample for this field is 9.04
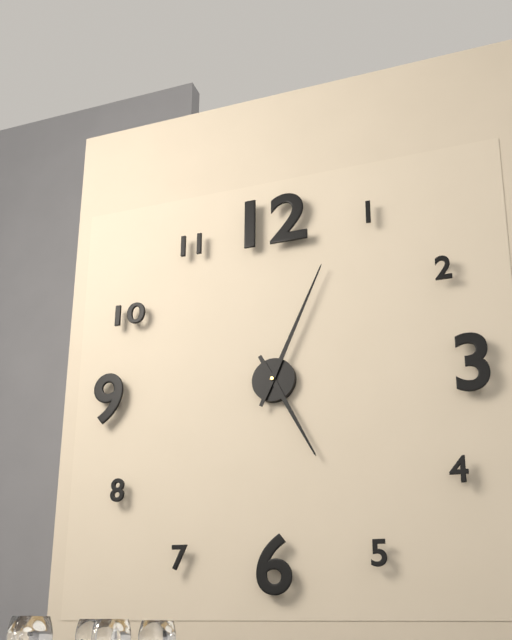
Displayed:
5.04
